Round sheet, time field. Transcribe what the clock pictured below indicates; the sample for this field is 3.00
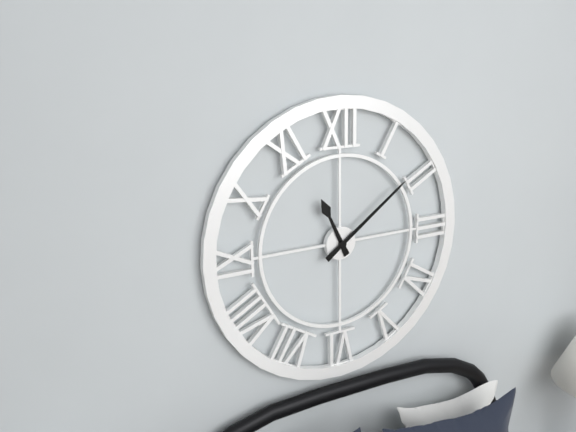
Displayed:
11.09
